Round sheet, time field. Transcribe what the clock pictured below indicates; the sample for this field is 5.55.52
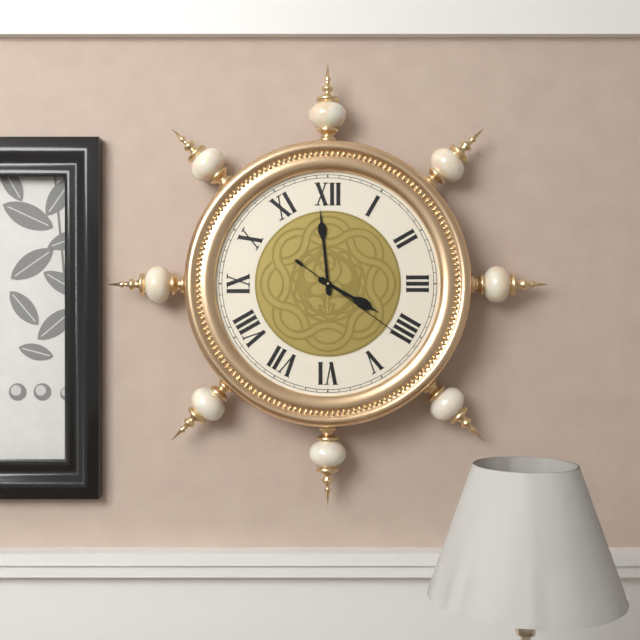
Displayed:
3.59.21
